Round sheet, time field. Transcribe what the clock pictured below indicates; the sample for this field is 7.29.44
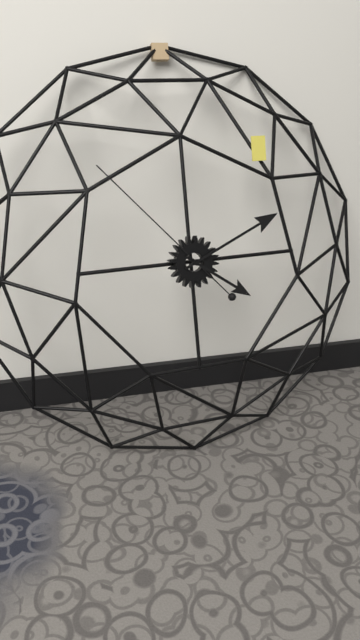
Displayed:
4.11.53
